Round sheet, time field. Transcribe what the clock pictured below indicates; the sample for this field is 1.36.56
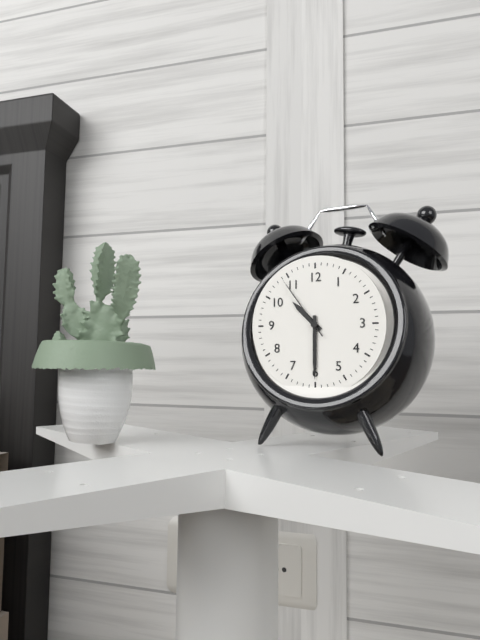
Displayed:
10.30.54
